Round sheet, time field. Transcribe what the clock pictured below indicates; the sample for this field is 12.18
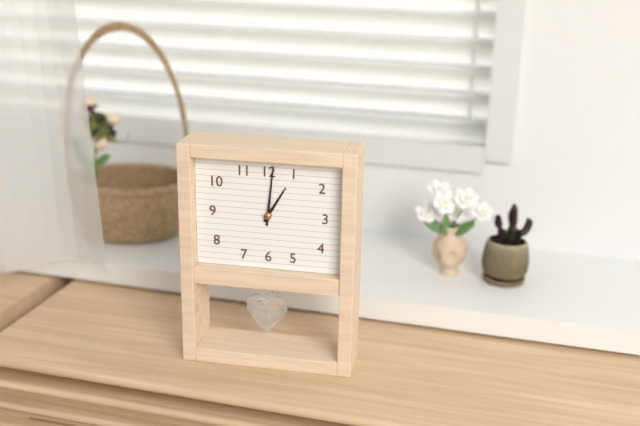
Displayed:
1.01
